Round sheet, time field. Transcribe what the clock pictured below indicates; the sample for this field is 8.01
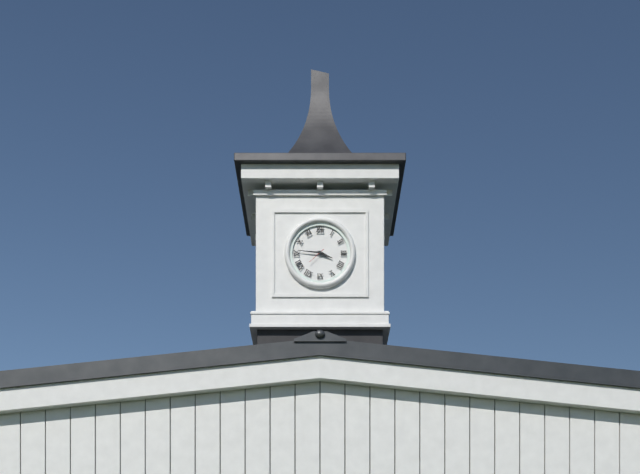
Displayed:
3.46
